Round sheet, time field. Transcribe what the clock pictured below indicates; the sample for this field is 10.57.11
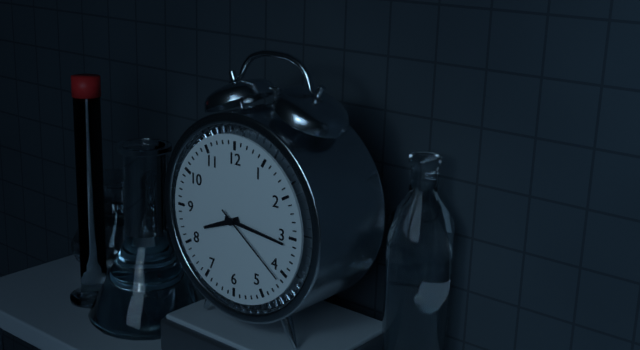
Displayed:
8.16.21
